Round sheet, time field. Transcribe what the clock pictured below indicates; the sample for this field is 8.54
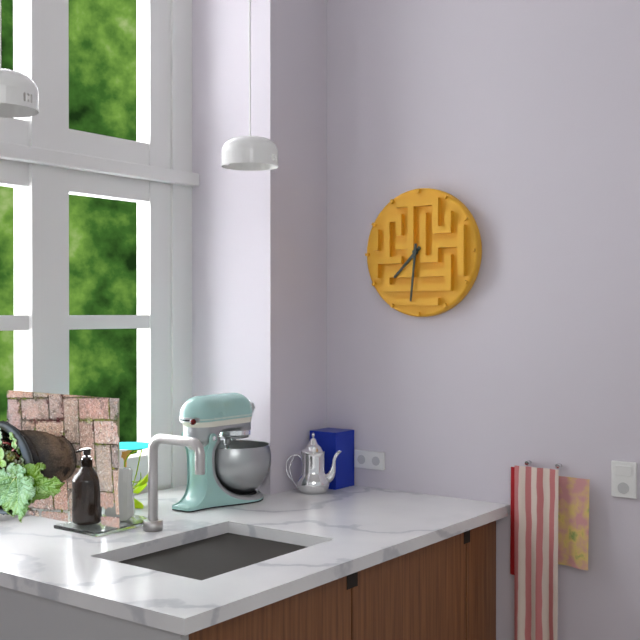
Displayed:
7.31
